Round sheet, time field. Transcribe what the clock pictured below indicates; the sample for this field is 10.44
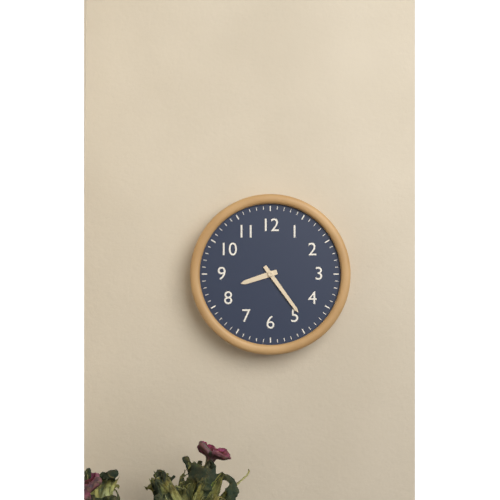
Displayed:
8.24
